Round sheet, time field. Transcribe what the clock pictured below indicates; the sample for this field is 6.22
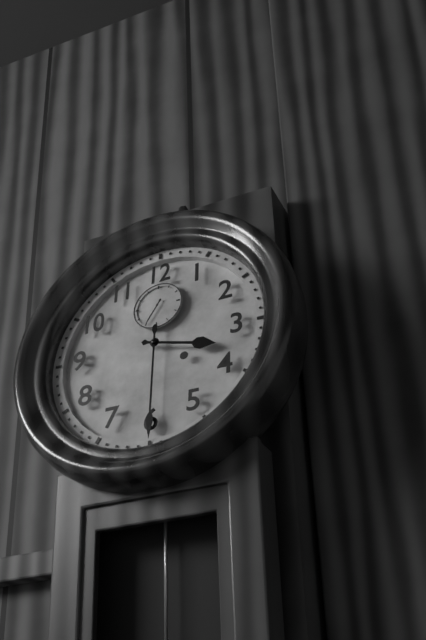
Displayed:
3.30
